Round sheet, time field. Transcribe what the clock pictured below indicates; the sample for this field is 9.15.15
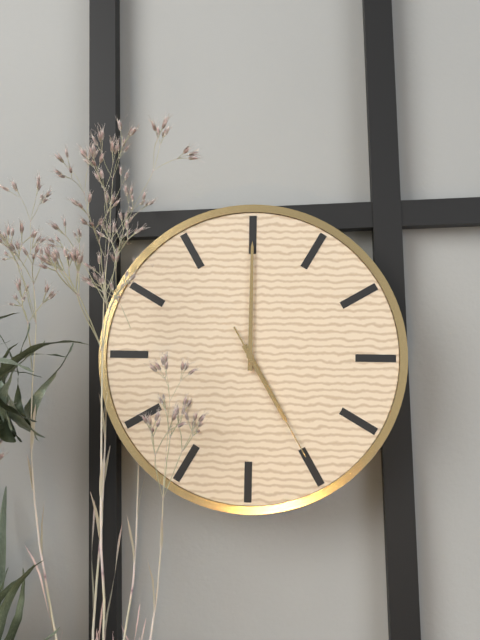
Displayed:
5.00.25
